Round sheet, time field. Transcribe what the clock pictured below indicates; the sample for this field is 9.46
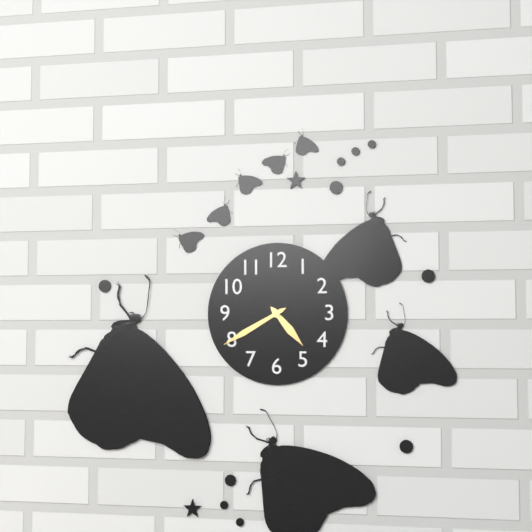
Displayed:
4.40
